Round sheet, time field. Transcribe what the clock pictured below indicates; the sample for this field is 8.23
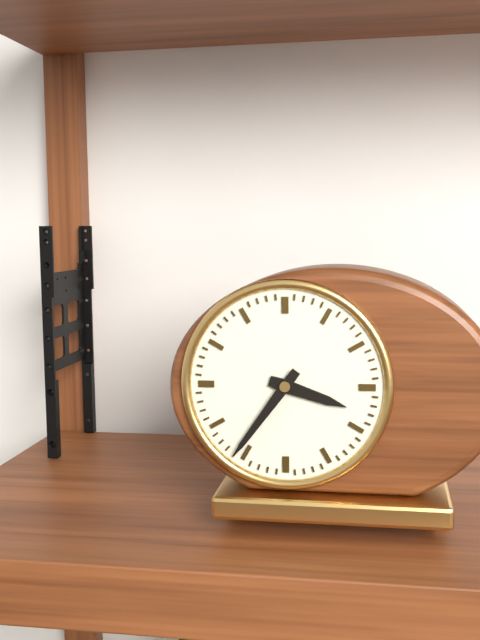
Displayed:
3.36
